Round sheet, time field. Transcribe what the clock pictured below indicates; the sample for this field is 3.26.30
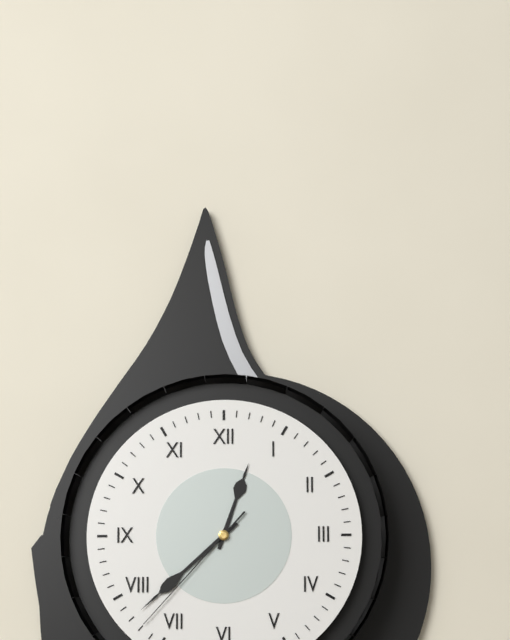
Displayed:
12.38.37
